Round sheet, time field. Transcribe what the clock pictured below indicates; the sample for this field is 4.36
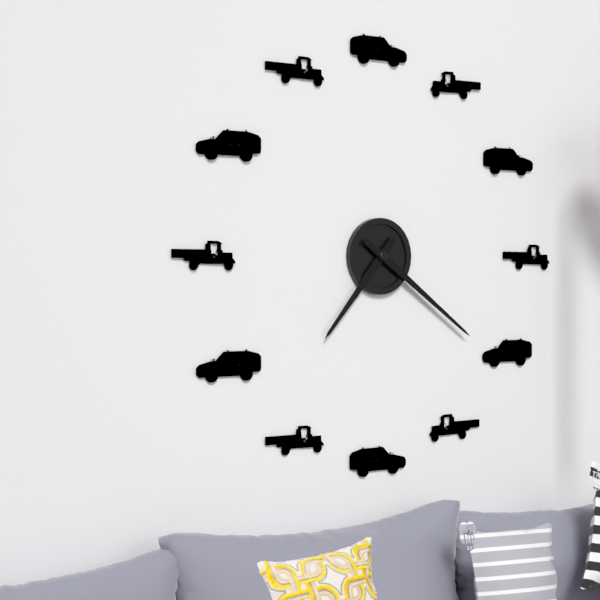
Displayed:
7.21
